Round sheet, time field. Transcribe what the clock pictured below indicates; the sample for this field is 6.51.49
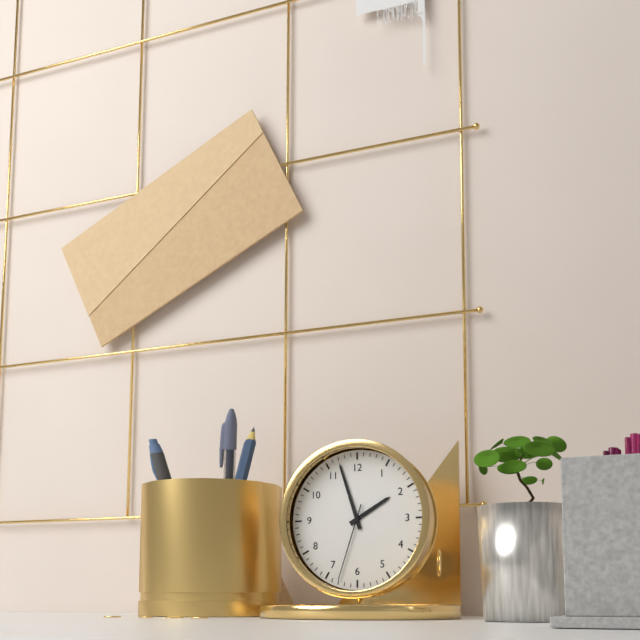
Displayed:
1.57.33
